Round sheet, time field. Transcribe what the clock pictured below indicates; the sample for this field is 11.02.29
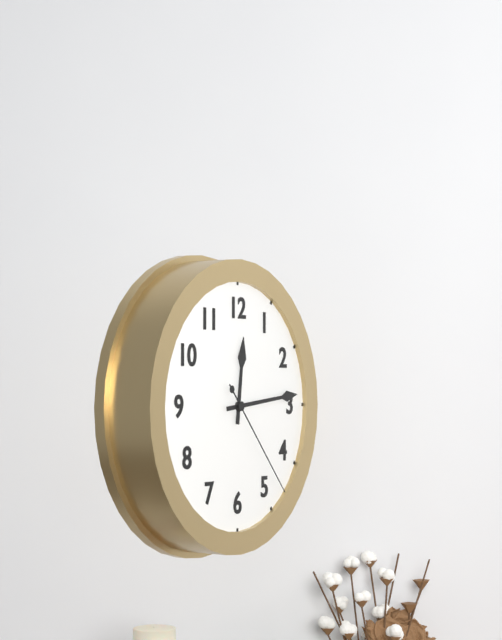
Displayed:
12.14.23
